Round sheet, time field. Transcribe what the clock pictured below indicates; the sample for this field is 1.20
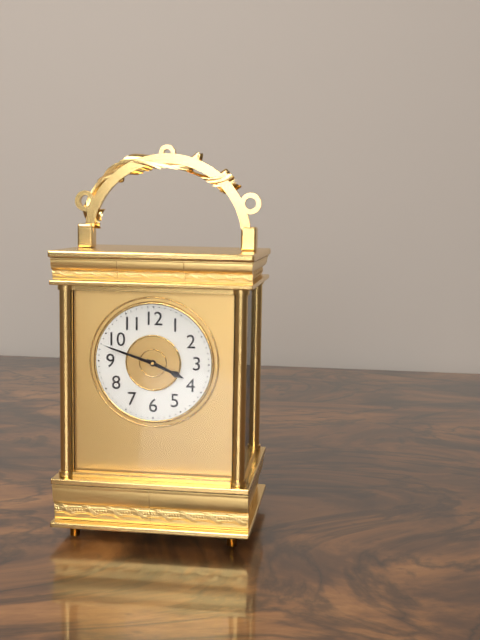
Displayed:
3.48
